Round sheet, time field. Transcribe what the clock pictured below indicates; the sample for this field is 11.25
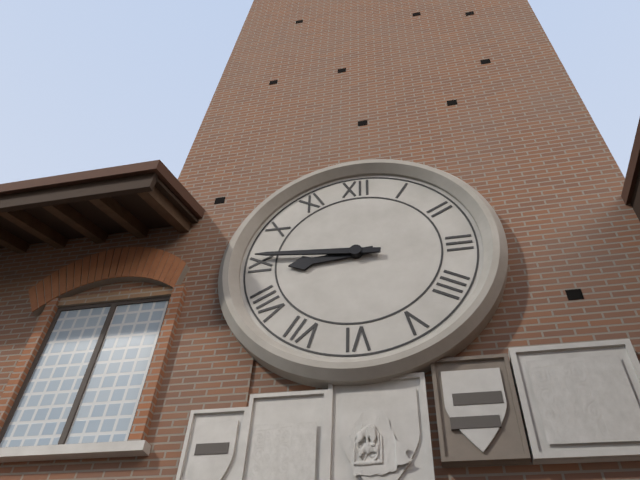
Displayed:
8.46
